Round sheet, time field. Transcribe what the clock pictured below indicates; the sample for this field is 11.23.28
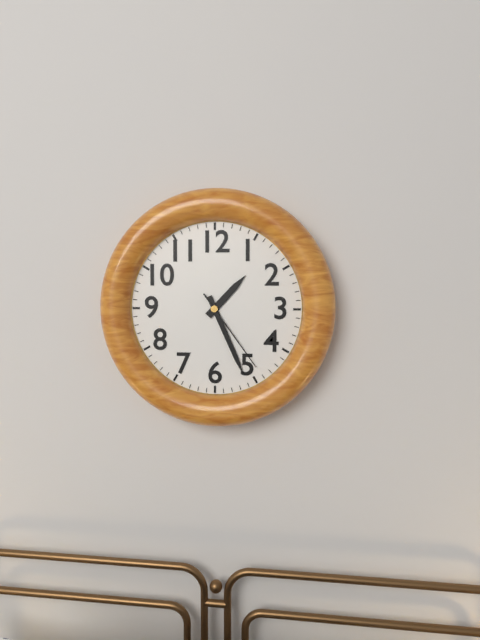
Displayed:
1.26.24
